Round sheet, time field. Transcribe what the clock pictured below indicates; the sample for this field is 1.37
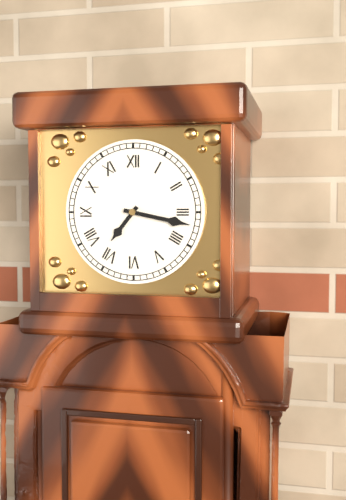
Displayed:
7.17
